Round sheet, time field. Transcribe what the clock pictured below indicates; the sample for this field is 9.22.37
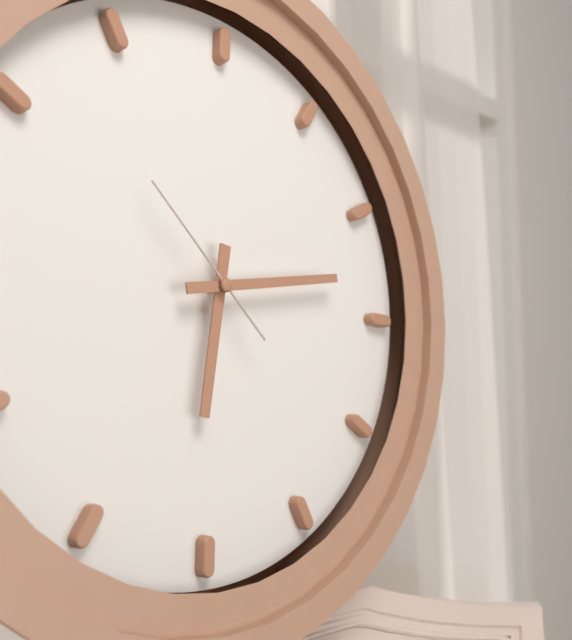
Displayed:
6.13.52
